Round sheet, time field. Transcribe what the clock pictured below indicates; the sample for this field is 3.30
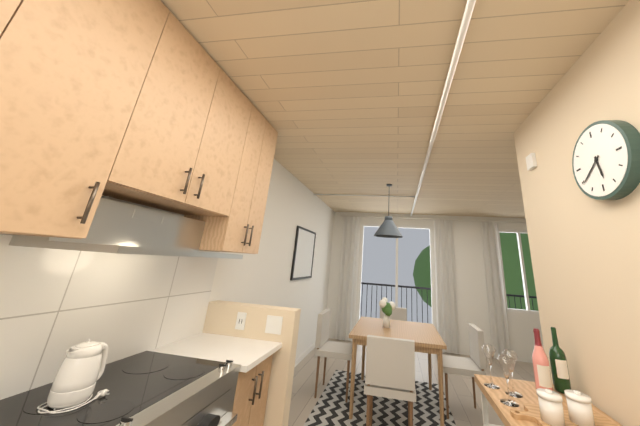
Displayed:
5.39
